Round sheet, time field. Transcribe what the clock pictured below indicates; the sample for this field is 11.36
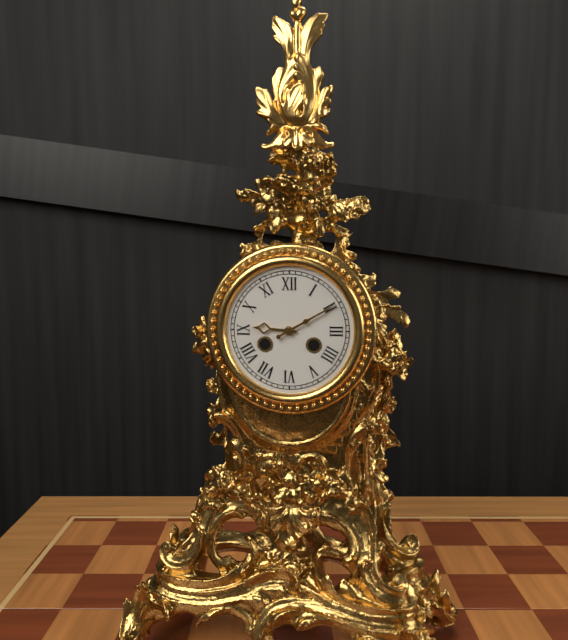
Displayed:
9.10
